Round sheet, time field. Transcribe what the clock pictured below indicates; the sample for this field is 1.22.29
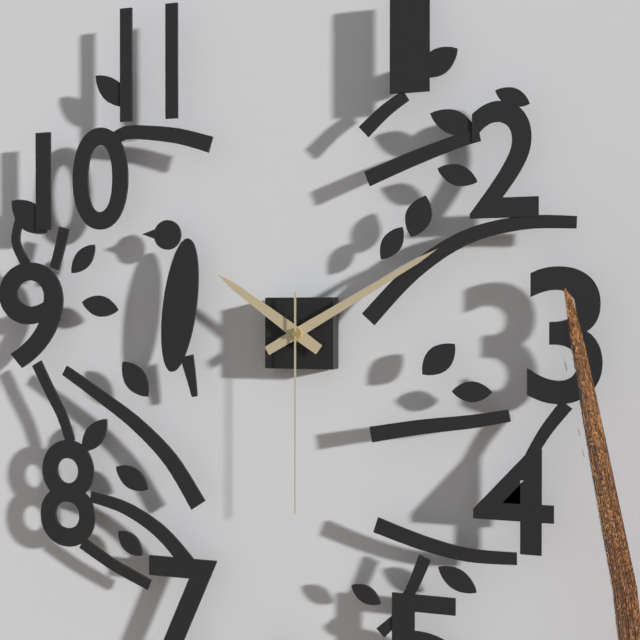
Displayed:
10.10.30
